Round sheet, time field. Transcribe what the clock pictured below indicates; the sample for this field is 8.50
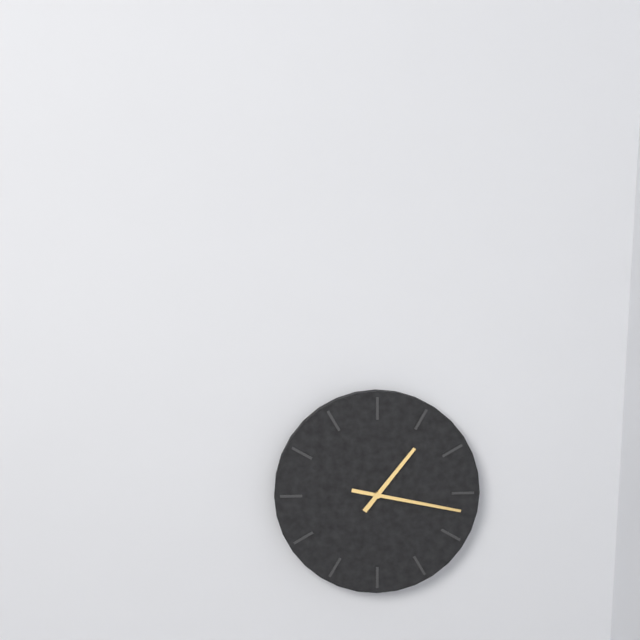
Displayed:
1.17
